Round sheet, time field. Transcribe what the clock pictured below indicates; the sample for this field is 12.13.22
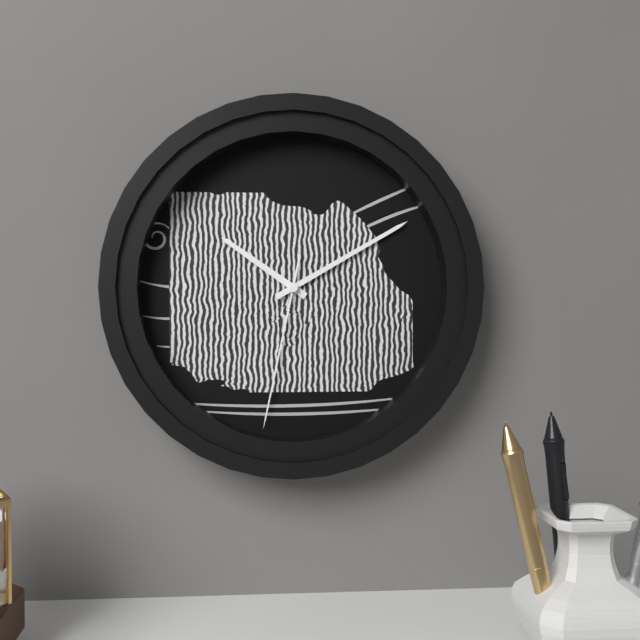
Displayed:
10.10.32
